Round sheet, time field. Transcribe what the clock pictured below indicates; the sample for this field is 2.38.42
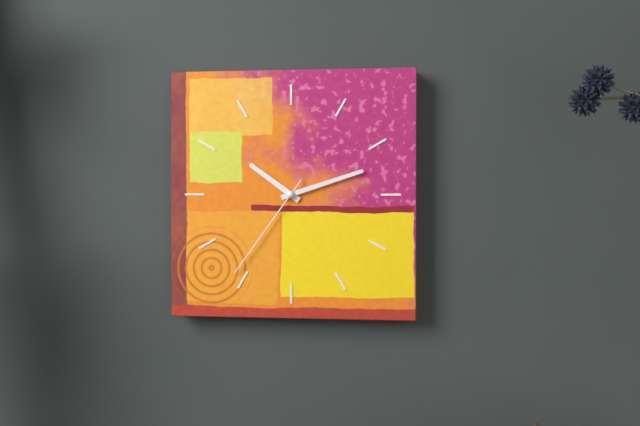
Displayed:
10.12.36
